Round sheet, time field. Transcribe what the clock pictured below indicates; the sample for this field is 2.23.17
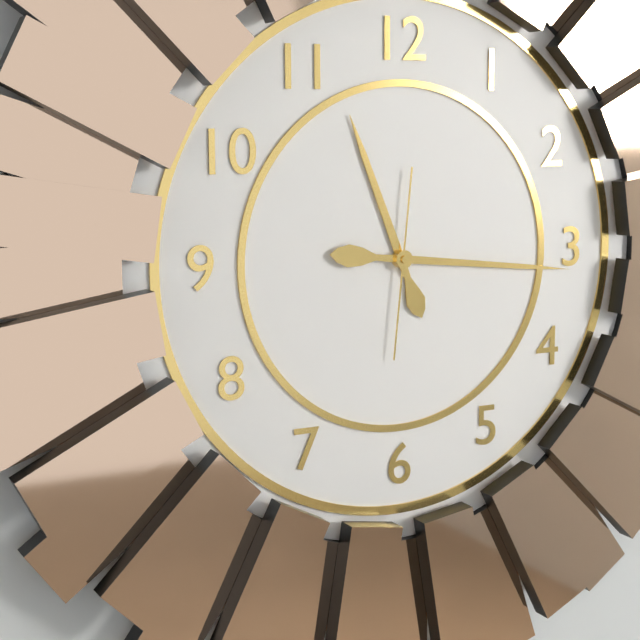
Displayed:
11.16.31
